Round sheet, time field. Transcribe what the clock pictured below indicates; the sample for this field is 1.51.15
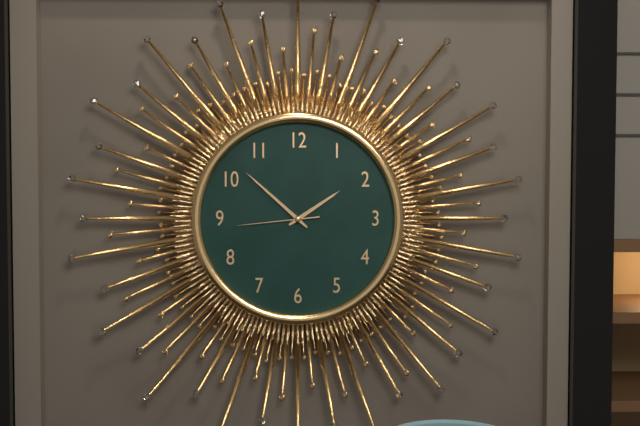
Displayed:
1.52.44
